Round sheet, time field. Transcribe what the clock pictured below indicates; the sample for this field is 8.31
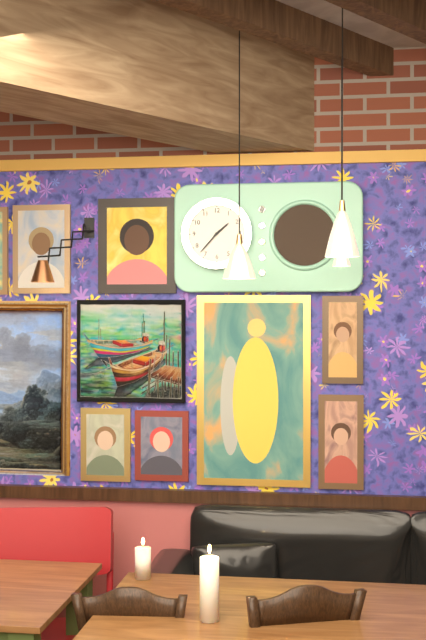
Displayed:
1.37
